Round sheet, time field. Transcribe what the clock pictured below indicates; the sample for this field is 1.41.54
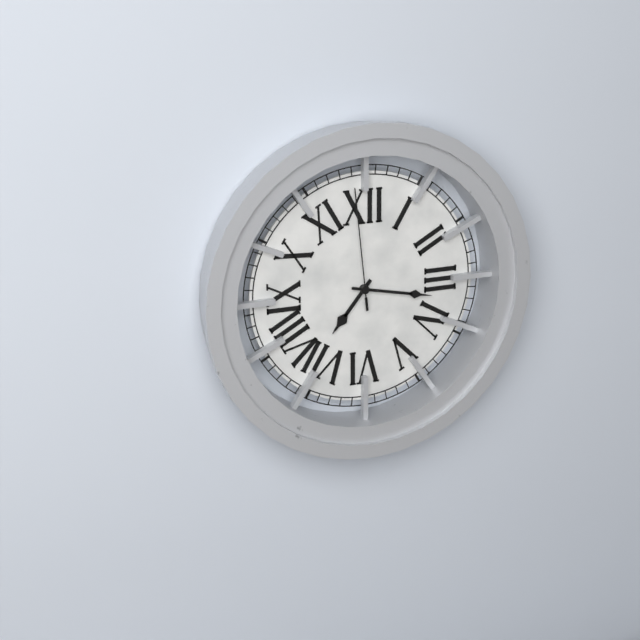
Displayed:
7.17.59
